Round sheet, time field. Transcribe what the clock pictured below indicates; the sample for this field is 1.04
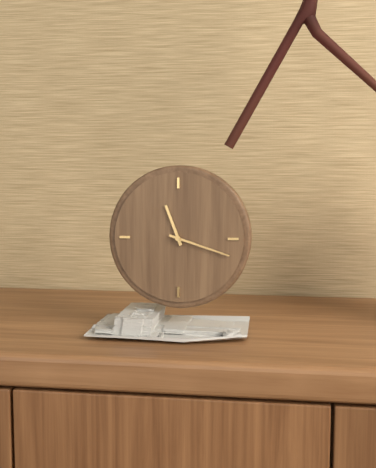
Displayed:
11.18
